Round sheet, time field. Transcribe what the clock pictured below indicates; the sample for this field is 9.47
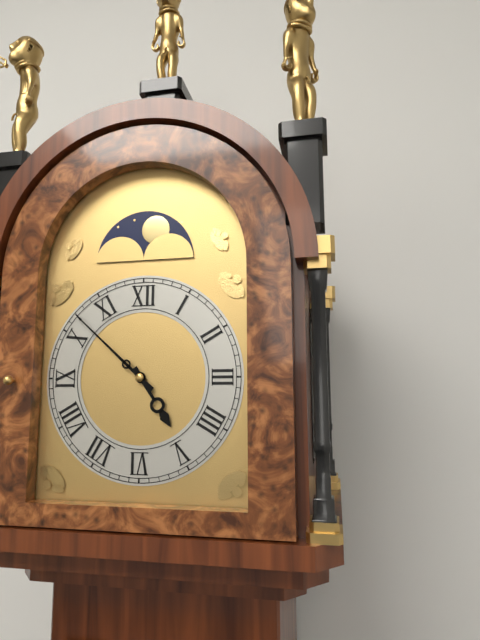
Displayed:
4.52
